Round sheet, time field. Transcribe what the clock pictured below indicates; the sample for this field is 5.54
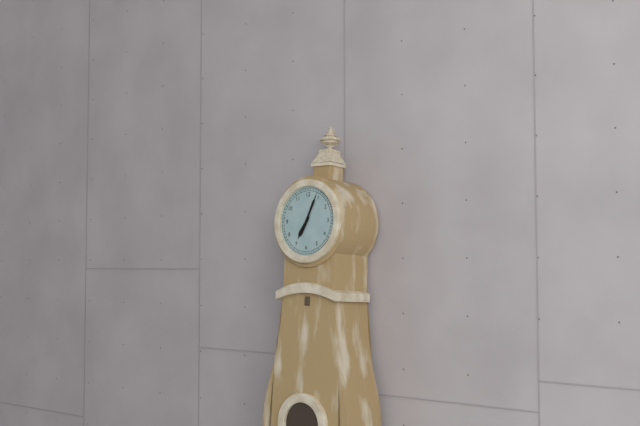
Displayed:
7.04
